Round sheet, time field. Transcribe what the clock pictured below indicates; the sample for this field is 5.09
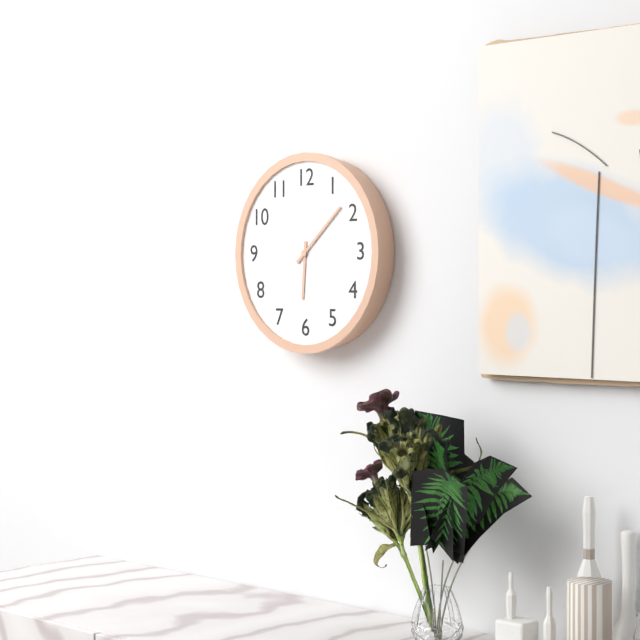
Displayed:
6.08
